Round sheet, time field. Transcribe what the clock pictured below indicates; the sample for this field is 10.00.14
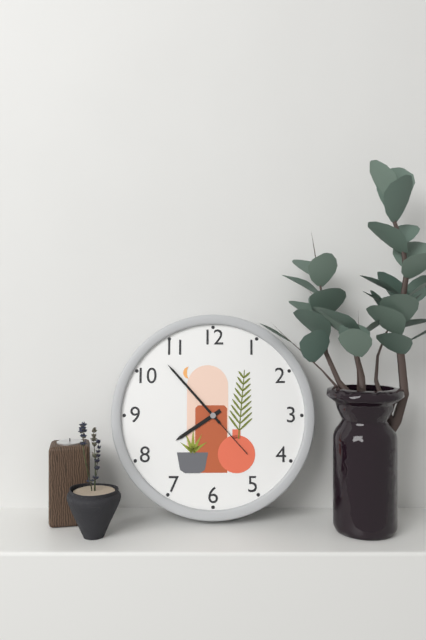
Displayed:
7.53.23
